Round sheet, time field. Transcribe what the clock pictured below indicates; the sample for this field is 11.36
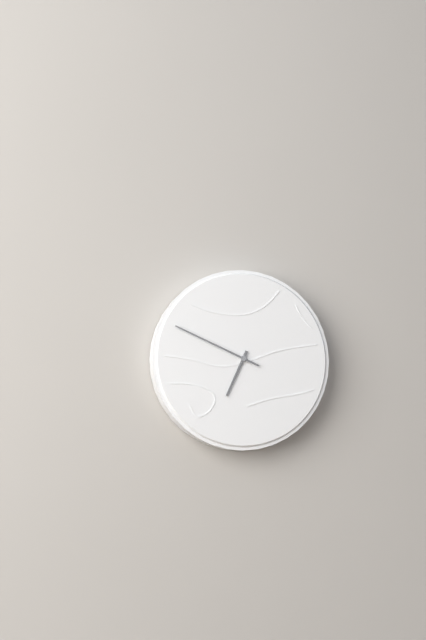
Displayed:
6.49
